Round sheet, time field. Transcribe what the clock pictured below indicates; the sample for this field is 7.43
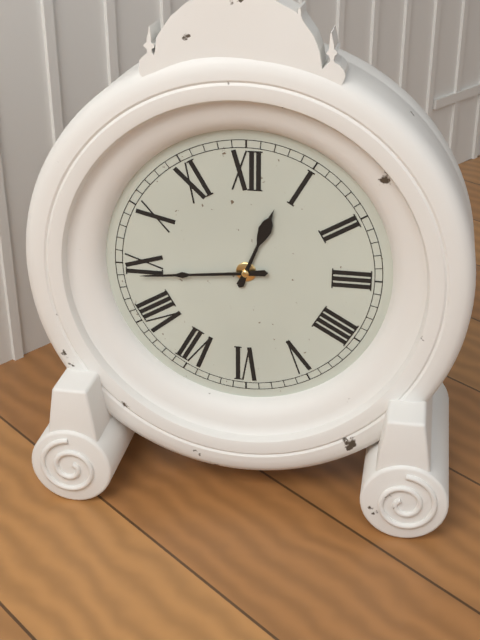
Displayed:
12.44
